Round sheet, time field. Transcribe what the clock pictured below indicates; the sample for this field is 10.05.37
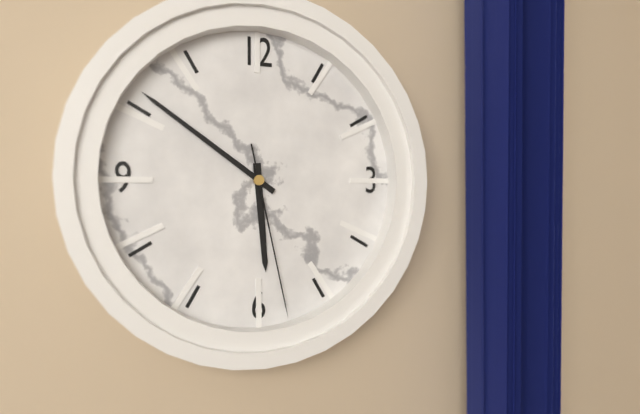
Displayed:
5.51.28
